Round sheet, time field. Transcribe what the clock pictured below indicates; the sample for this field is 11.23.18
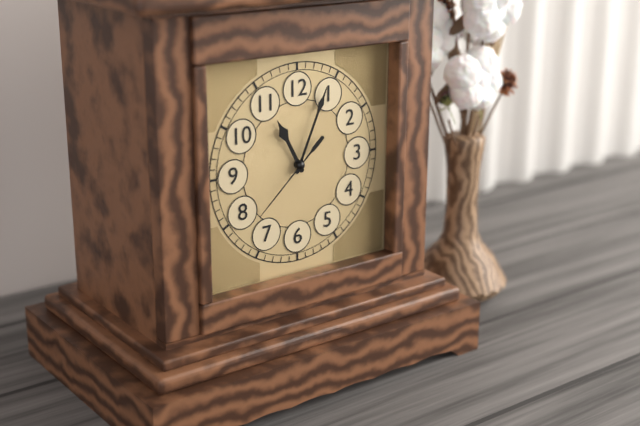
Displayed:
11.04.38
